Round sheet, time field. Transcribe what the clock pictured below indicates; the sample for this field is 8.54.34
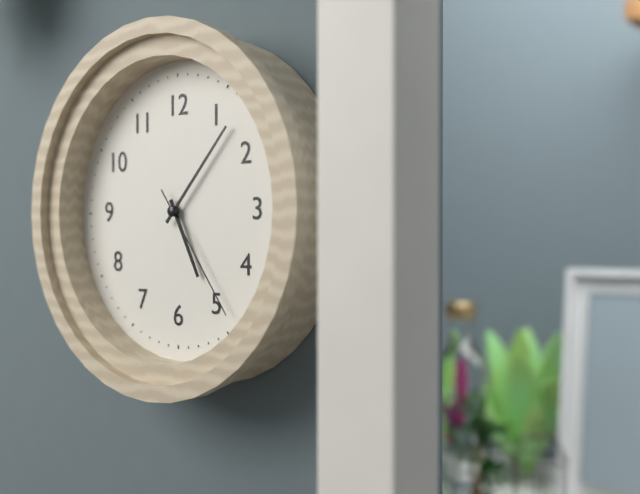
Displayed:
5.07.24
